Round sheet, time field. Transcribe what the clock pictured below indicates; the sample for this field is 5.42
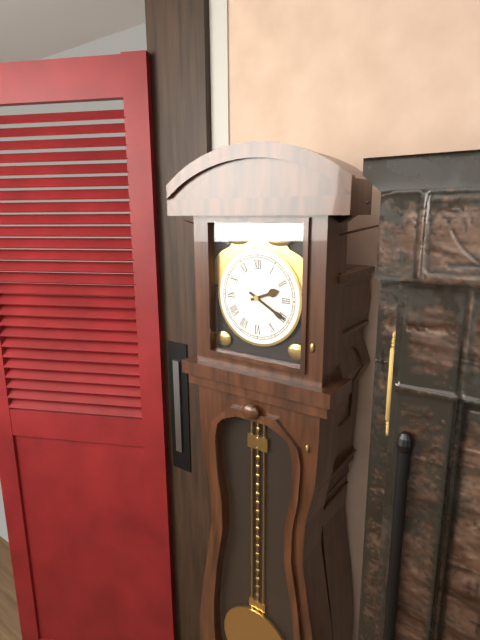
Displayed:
2.20
